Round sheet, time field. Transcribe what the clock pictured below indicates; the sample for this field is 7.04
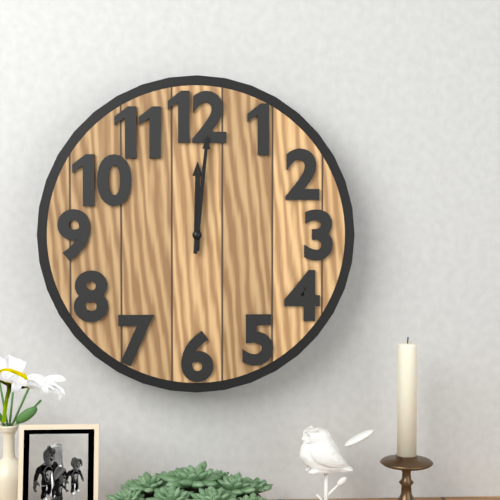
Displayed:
12.01
